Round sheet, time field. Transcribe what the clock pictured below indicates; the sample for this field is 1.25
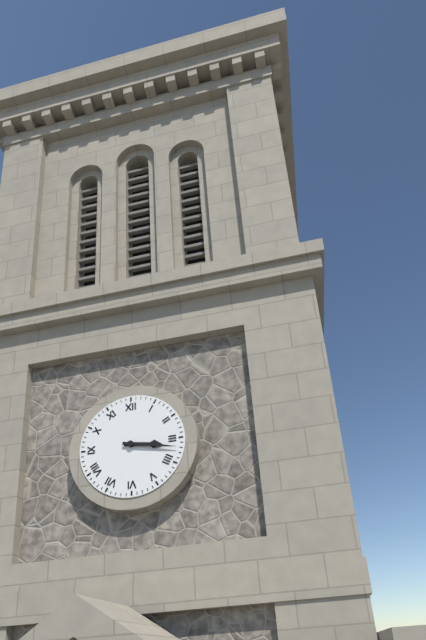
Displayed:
3.17
